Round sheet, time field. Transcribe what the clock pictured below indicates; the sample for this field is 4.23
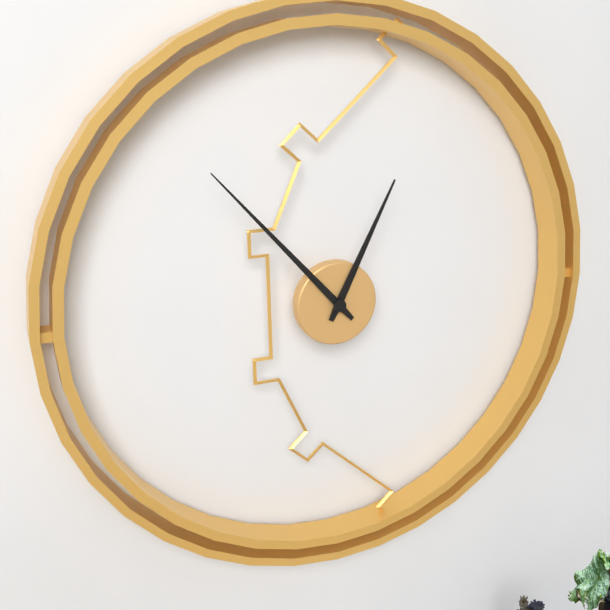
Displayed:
12.53
